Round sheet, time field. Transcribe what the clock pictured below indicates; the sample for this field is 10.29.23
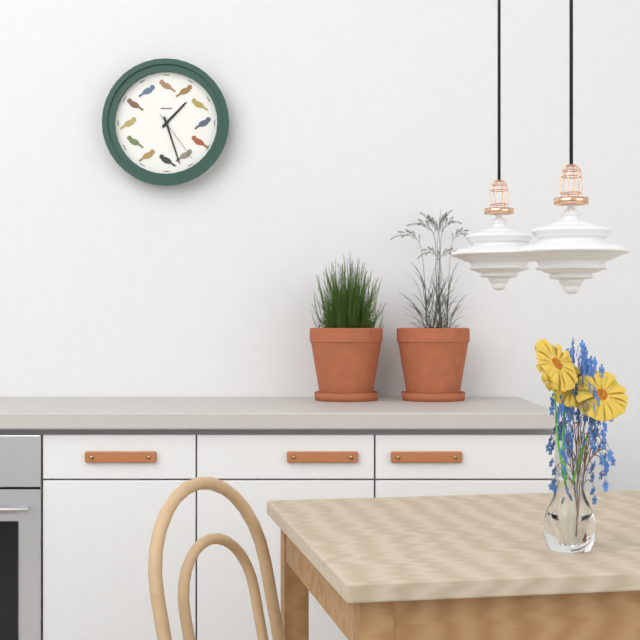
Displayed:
1.27.24
